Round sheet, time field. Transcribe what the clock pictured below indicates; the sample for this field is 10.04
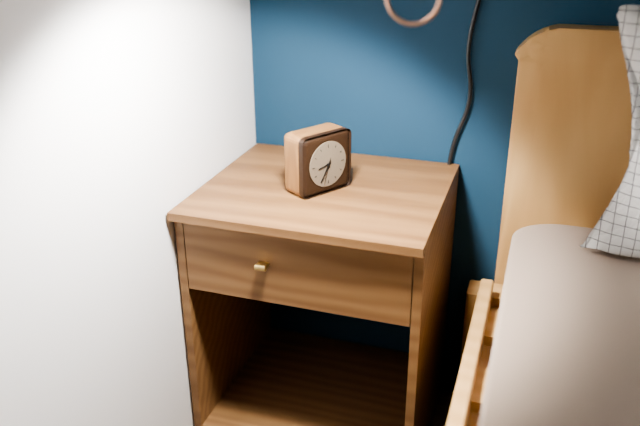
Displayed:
8.35
